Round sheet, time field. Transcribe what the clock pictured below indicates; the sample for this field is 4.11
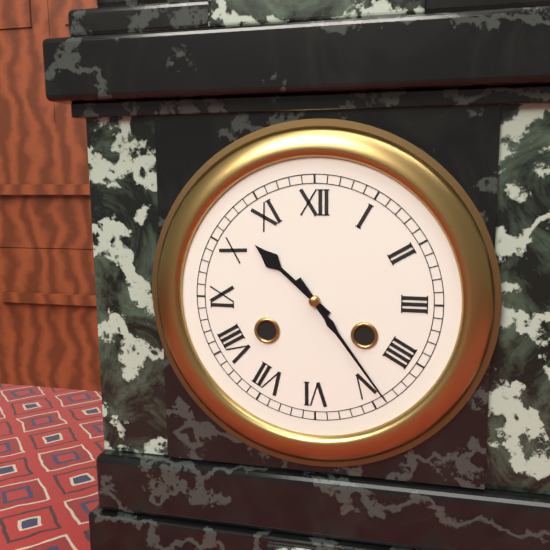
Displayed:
10.24
